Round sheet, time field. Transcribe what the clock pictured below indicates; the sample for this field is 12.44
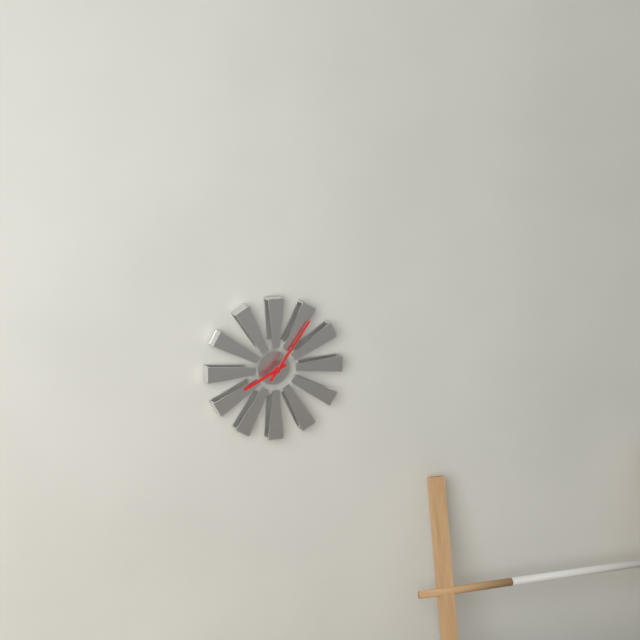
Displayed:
8.06
